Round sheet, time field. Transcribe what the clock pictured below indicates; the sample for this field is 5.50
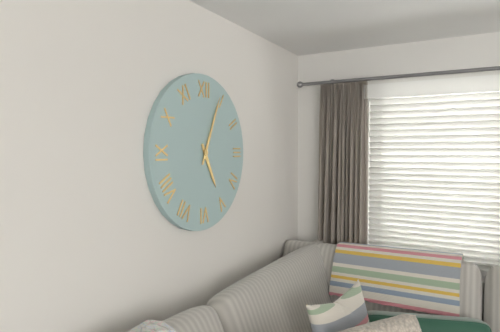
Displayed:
5.04
